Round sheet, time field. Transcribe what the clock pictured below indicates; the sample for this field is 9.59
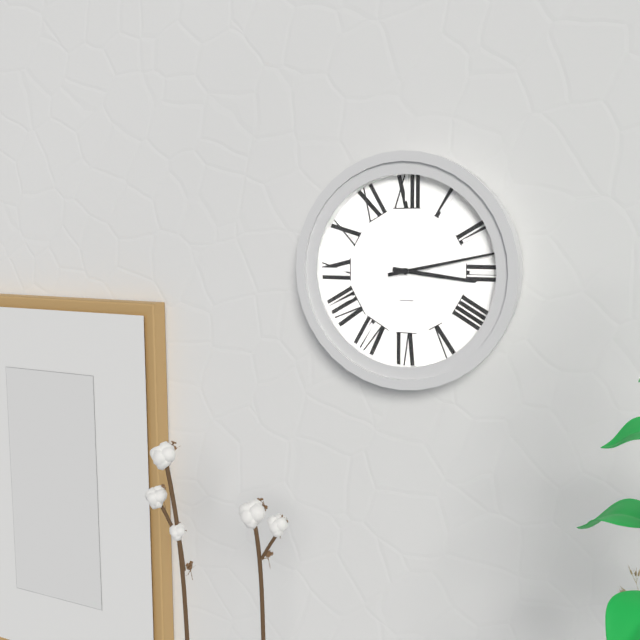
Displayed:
3.13
